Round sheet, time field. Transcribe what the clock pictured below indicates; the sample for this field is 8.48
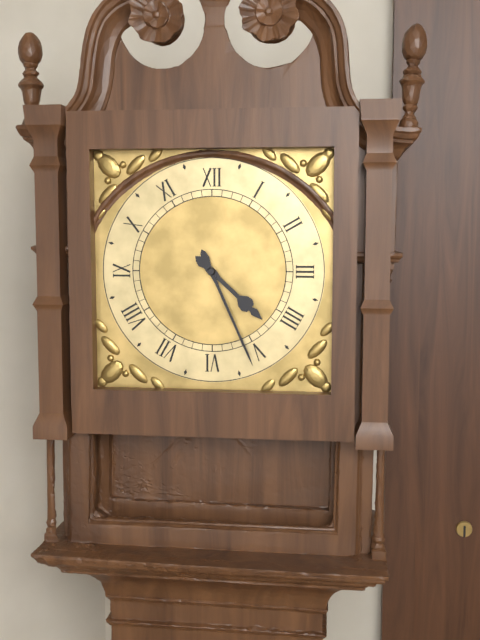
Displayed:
4.26
